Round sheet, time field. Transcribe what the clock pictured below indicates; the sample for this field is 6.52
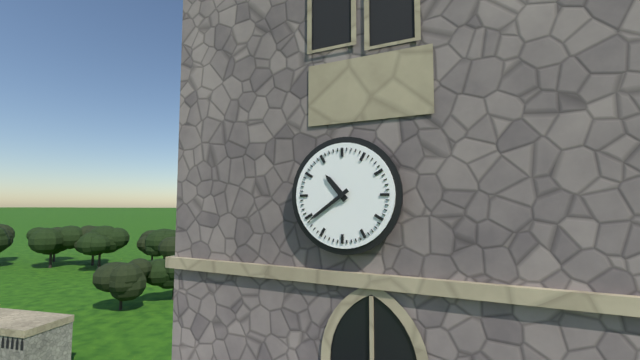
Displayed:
10.39
